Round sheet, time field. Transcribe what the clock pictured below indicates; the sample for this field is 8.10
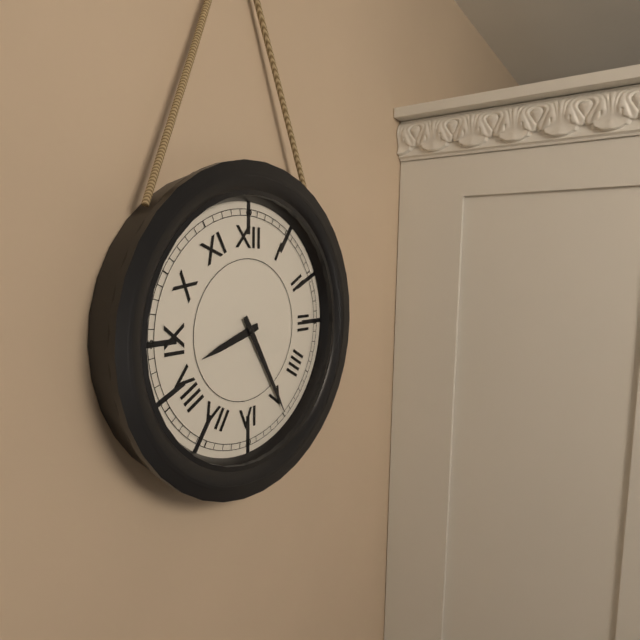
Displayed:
8.25
